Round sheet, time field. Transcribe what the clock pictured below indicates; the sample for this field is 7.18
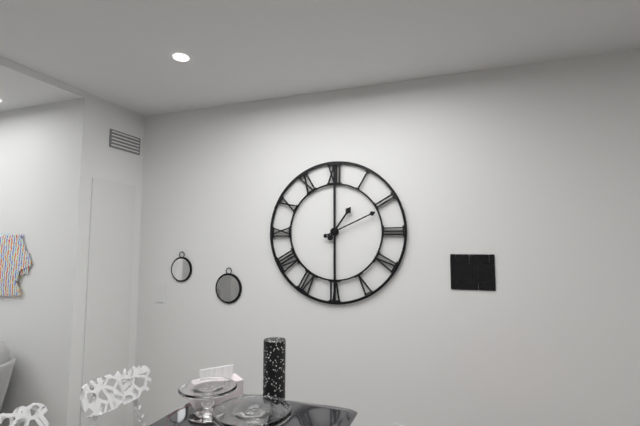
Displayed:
1.11
